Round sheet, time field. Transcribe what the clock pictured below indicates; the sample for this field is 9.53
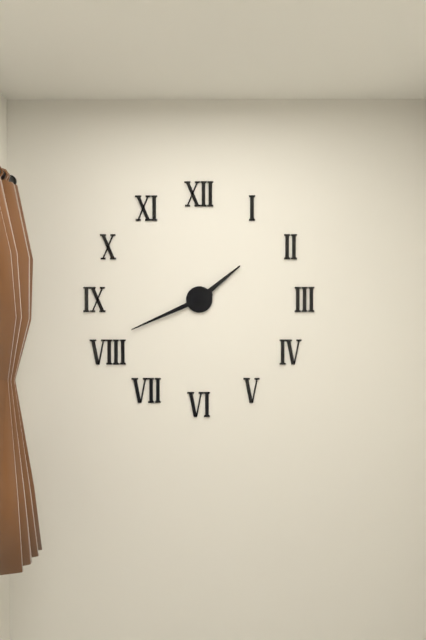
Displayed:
1.41
